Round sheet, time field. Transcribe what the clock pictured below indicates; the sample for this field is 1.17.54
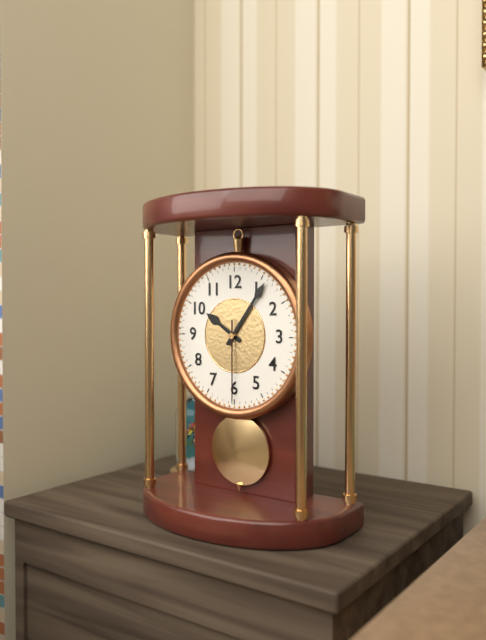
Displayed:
10.06.30
